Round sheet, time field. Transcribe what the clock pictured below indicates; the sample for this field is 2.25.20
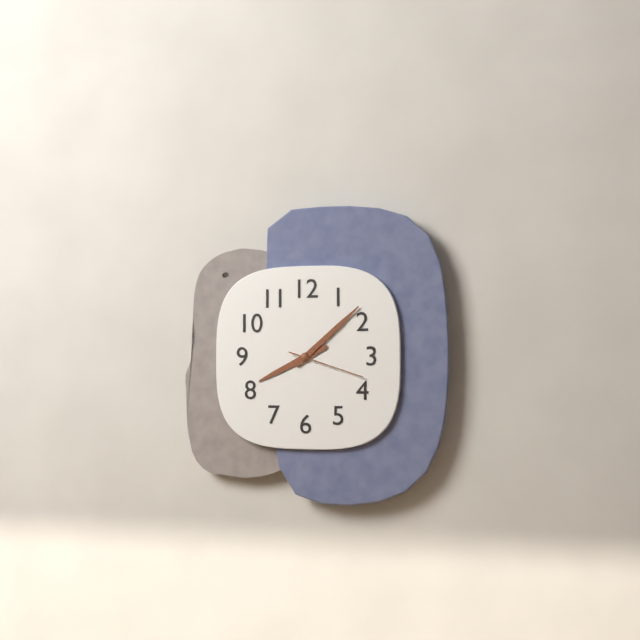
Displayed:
8.08.18
